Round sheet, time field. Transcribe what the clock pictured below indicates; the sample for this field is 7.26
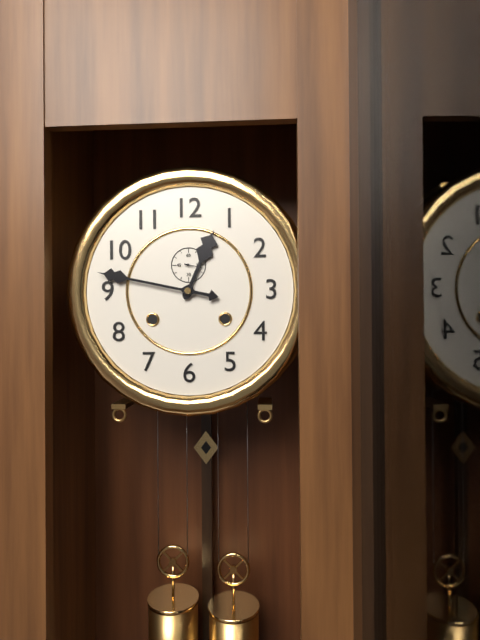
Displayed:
12.47
